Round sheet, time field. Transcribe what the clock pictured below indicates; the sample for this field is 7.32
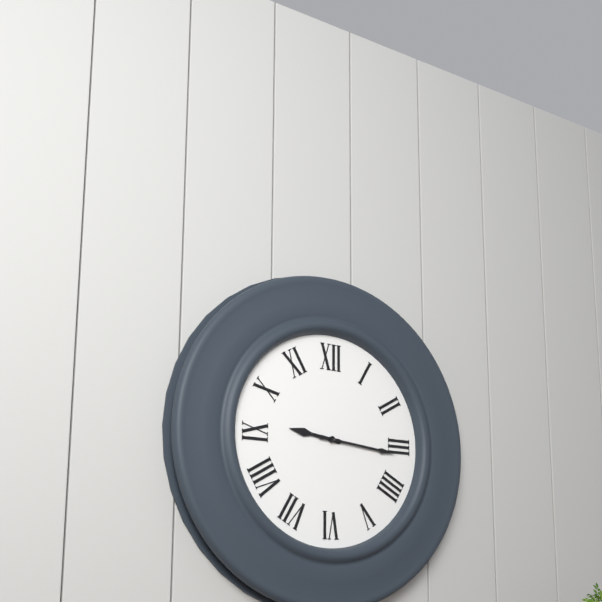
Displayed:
9.16
